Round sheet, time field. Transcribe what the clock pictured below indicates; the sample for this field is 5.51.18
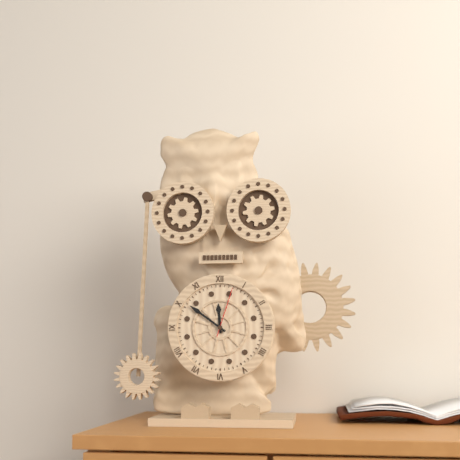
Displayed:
11.51.03
